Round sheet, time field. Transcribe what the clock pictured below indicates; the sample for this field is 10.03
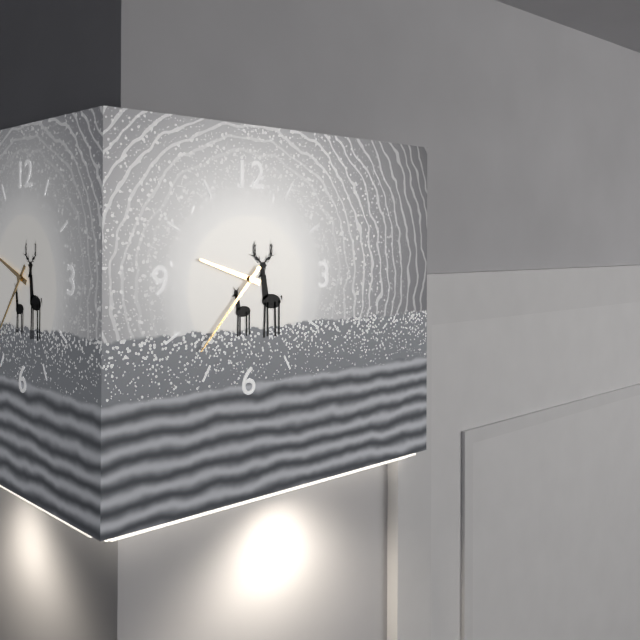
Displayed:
9.37
